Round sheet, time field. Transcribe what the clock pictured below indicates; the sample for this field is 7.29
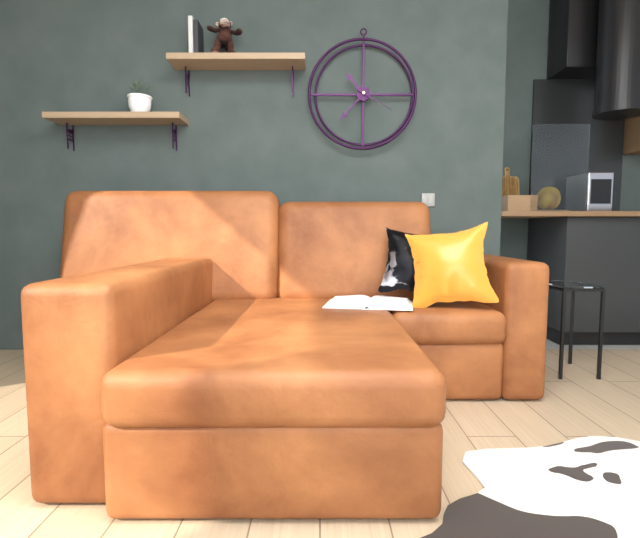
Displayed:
10.37
